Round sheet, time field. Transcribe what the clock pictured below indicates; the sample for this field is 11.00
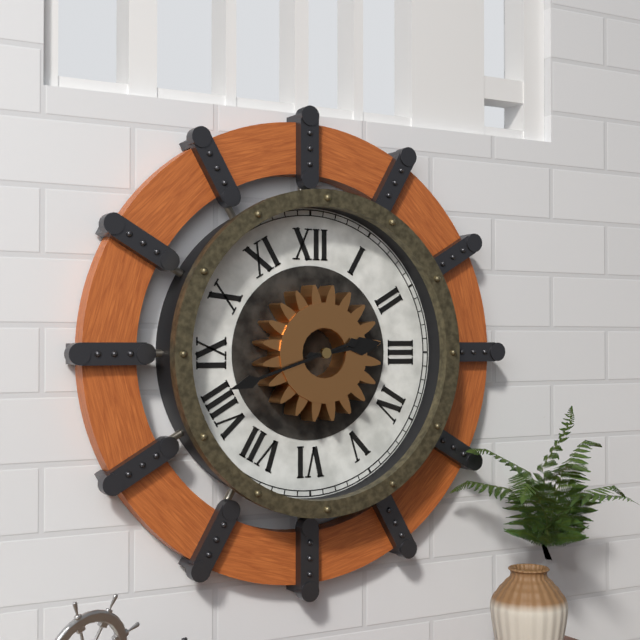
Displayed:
2.42
